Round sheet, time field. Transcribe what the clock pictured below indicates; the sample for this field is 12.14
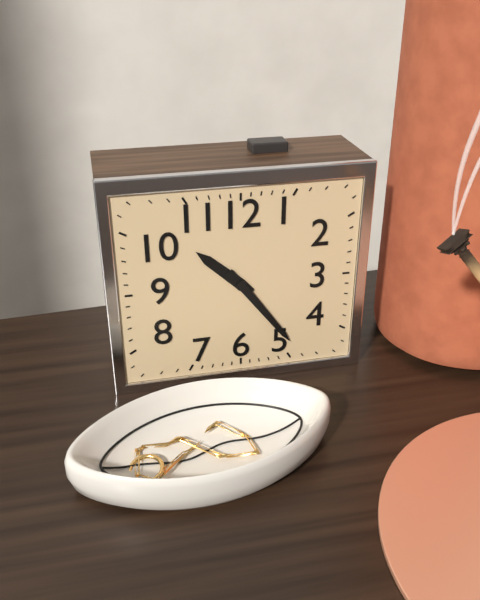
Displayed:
10.24
